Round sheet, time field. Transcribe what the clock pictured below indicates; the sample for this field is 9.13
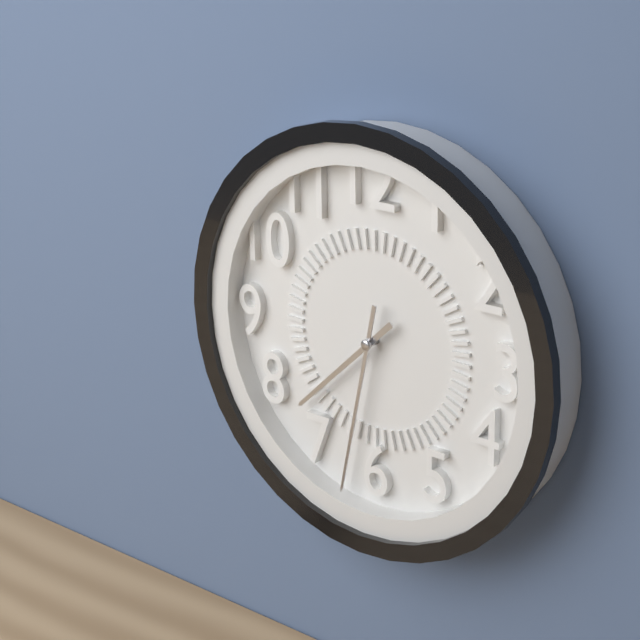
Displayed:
7.32
